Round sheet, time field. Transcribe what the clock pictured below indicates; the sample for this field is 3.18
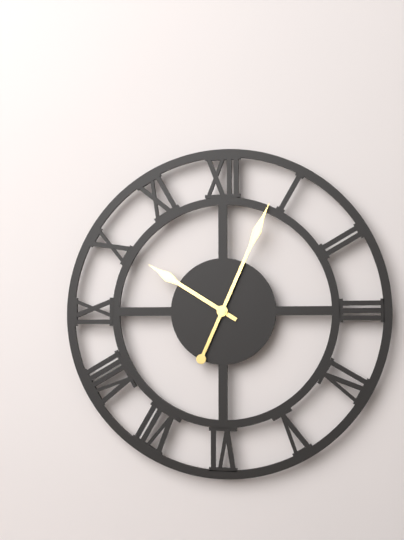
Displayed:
10.04
